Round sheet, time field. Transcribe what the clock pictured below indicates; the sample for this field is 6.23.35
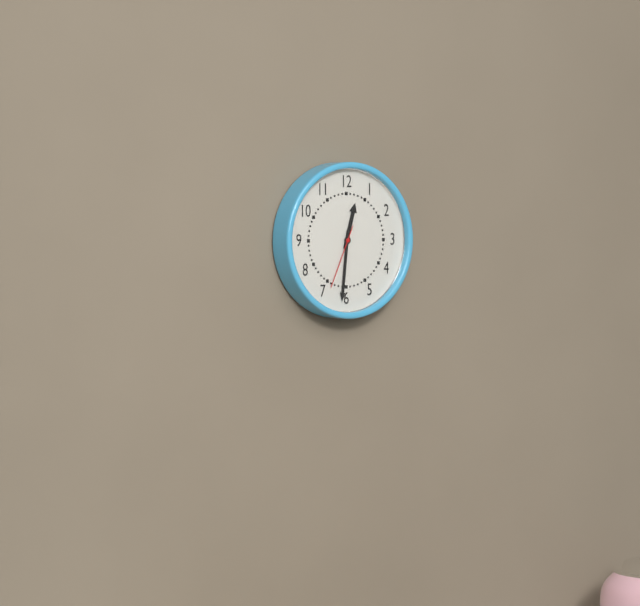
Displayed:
12.31.34
